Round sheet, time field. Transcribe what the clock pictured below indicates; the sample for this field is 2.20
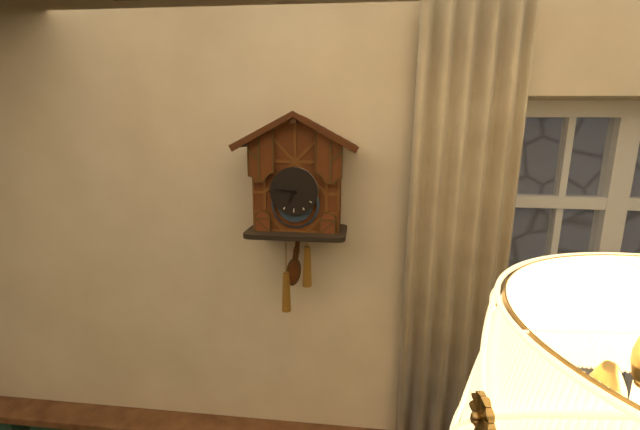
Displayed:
6.46
